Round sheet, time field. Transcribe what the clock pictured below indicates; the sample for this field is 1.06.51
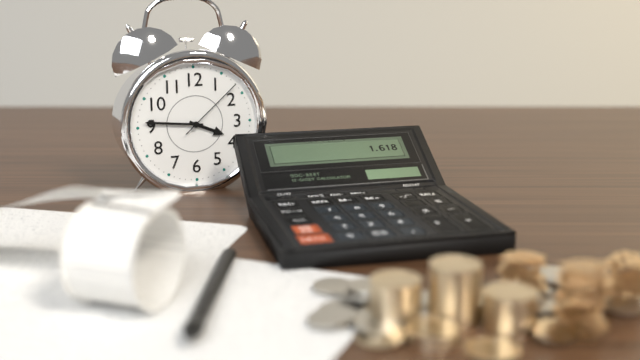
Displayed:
3.46.08
